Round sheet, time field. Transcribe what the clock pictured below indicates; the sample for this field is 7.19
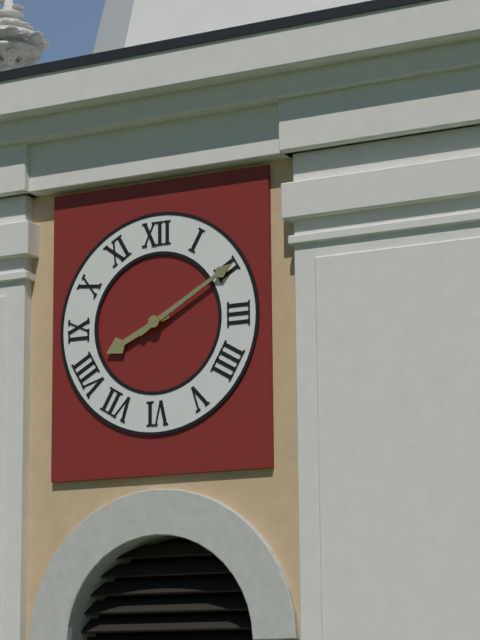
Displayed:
8.10
